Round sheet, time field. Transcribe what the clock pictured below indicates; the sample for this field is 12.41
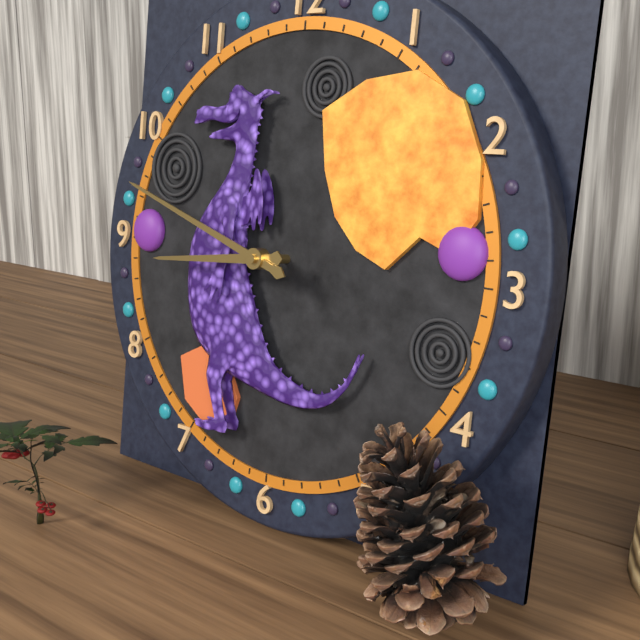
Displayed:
8.48
